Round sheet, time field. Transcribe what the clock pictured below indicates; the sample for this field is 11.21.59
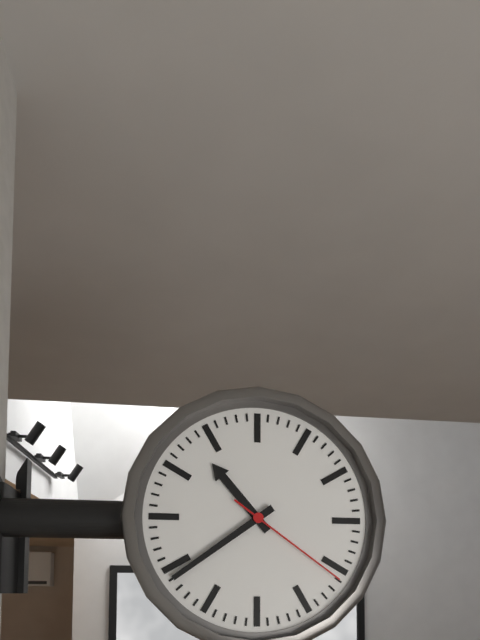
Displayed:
10.39.21
